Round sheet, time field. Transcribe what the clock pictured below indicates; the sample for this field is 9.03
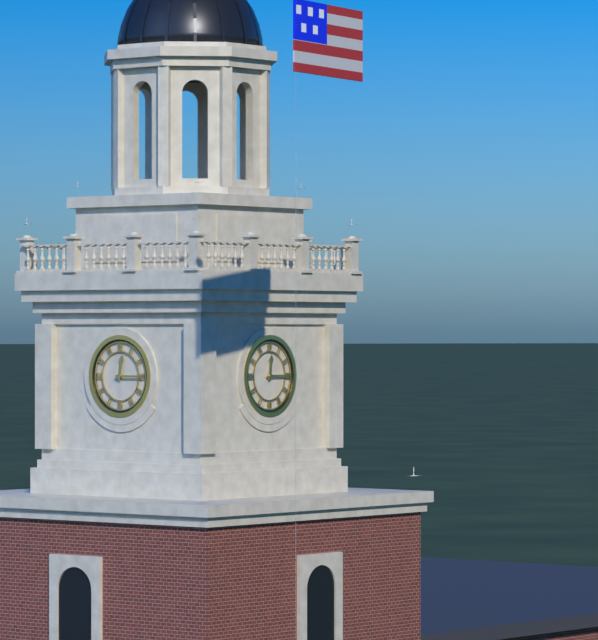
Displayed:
12.15
